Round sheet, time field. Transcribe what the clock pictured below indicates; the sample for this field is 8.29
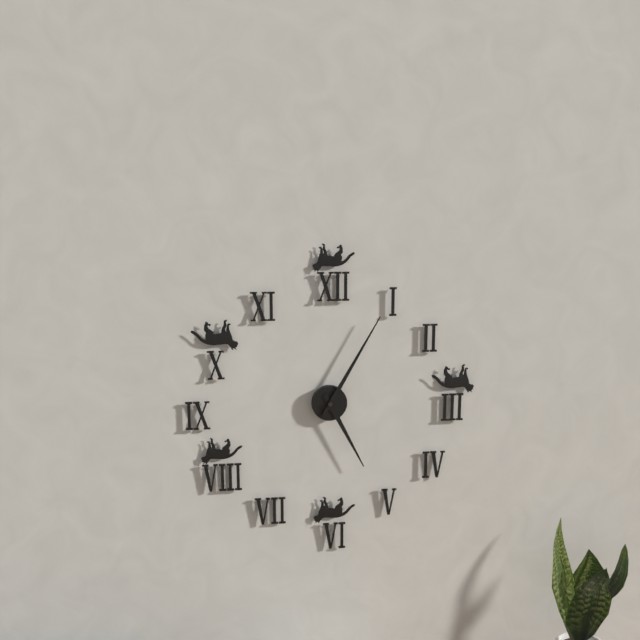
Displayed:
5.05
